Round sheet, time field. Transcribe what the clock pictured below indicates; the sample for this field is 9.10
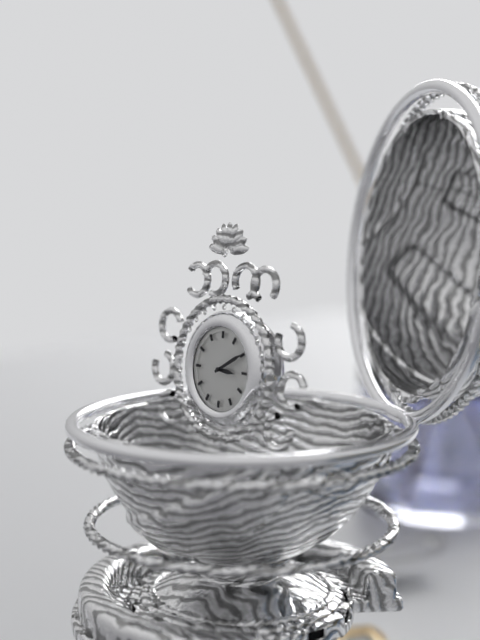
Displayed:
3.10
